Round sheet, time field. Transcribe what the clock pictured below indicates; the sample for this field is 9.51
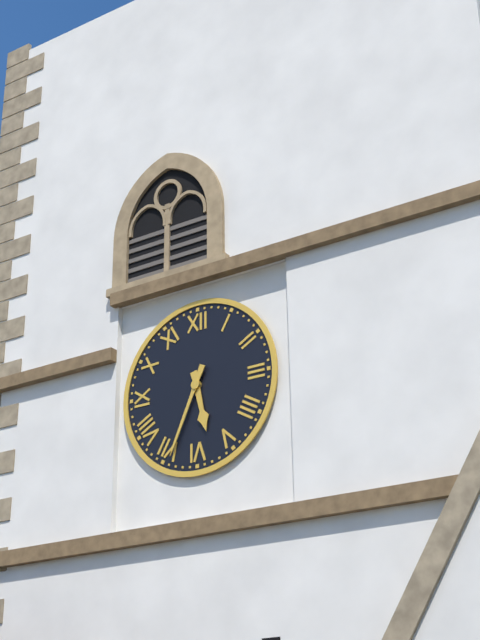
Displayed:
5.34
